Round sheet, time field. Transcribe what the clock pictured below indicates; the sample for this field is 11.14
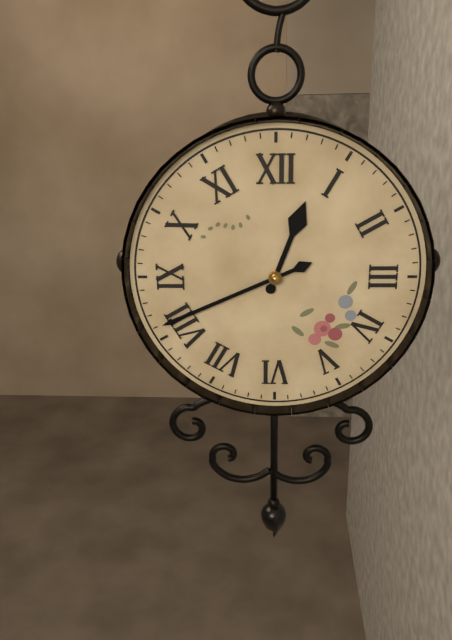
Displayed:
12.41
